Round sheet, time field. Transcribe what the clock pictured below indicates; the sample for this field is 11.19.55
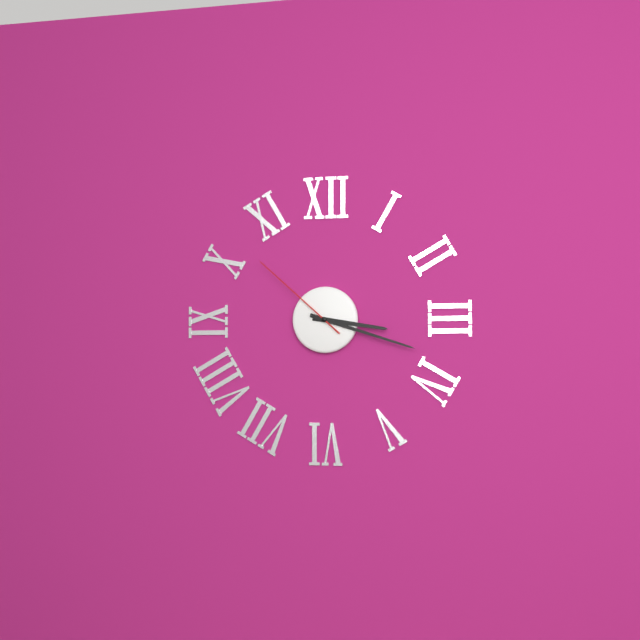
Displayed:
3.18.52
